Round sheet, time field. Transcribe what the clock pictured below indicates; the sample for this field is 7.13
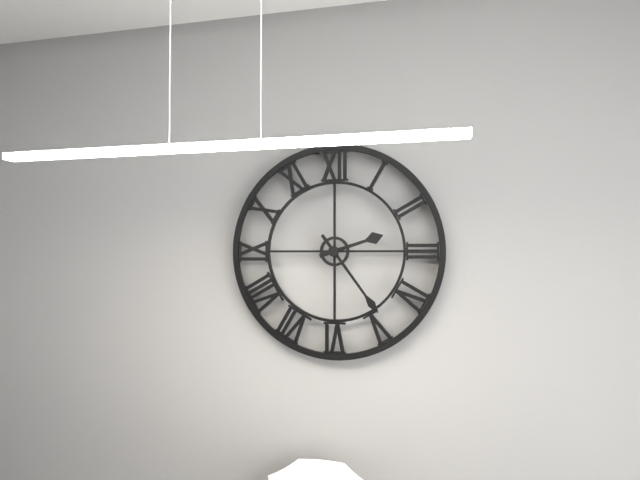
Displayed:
2.24
